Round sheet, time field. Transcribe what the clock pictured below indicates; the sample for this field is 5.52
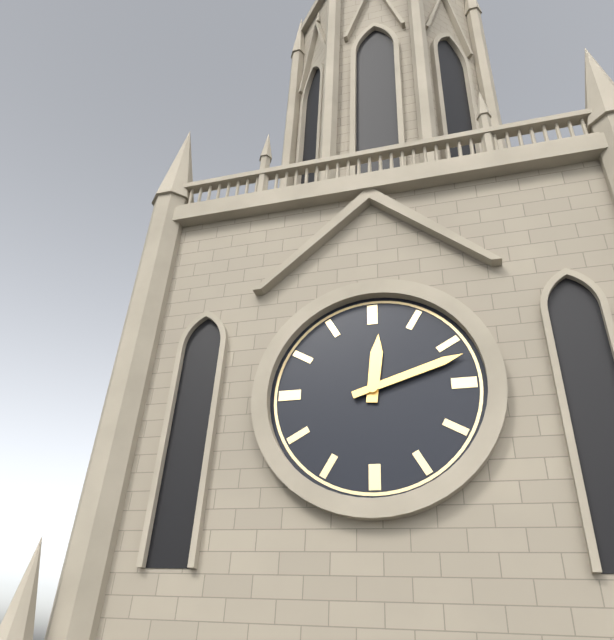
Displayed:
12.12
